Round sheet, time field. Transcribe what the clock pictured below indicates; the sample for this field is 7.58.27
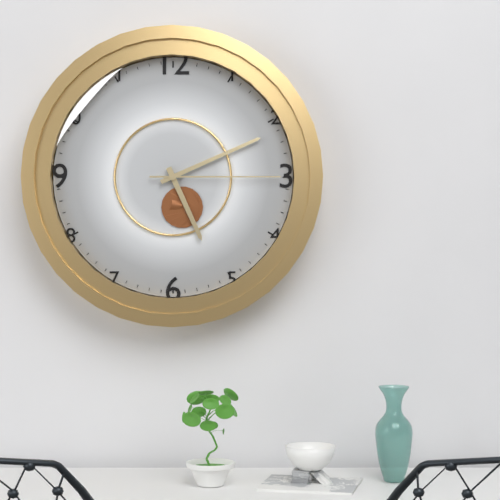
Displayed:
5.11.15
